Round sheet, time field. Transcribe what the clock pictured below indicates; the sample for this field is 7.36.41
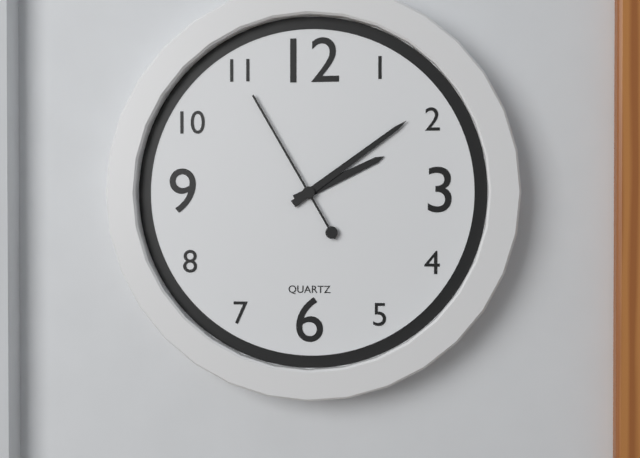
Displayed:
2.09.55
